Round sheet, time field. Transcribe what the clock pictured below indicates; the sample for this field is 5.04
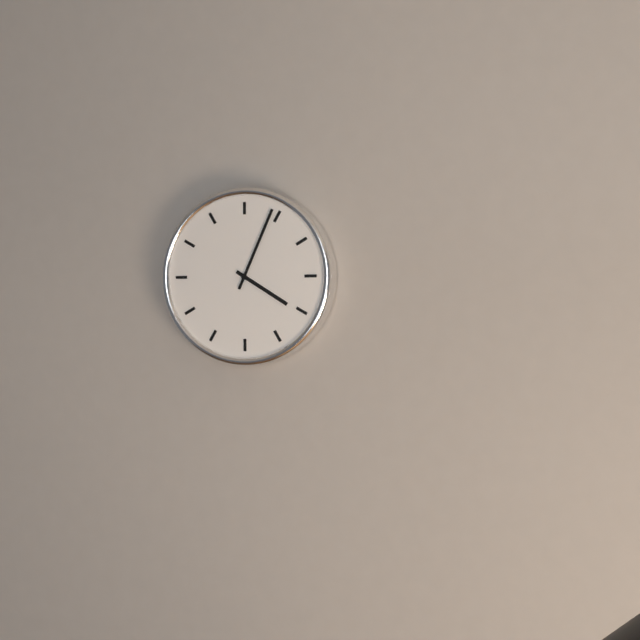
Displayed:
4.04
